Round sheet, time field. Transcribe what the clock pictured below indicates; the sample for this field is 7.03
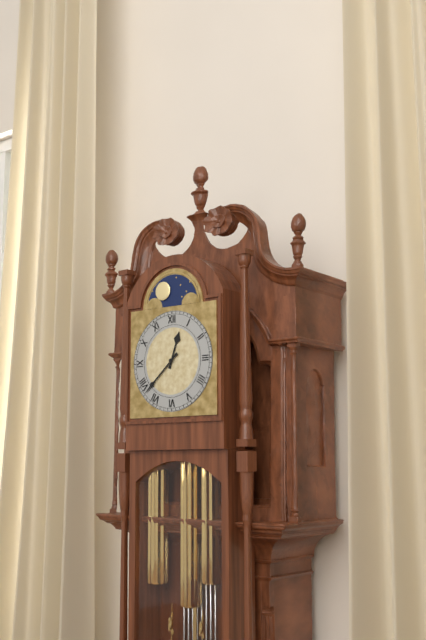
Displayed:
12.38
